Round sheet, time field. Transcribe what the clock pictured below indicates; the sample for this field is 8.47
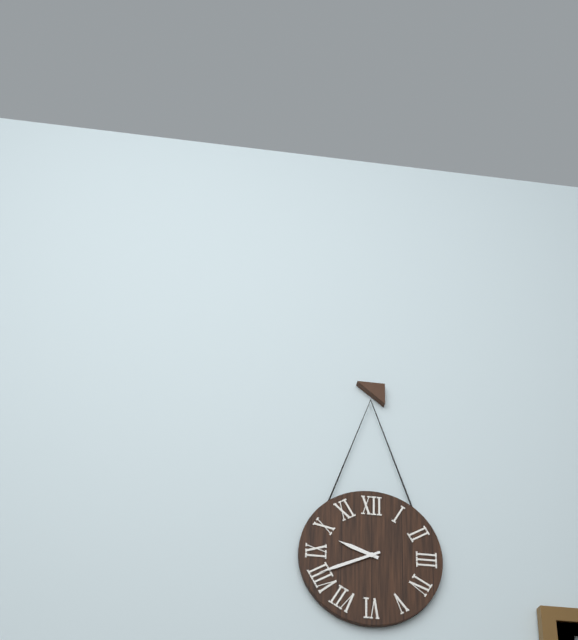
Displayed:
9.41
